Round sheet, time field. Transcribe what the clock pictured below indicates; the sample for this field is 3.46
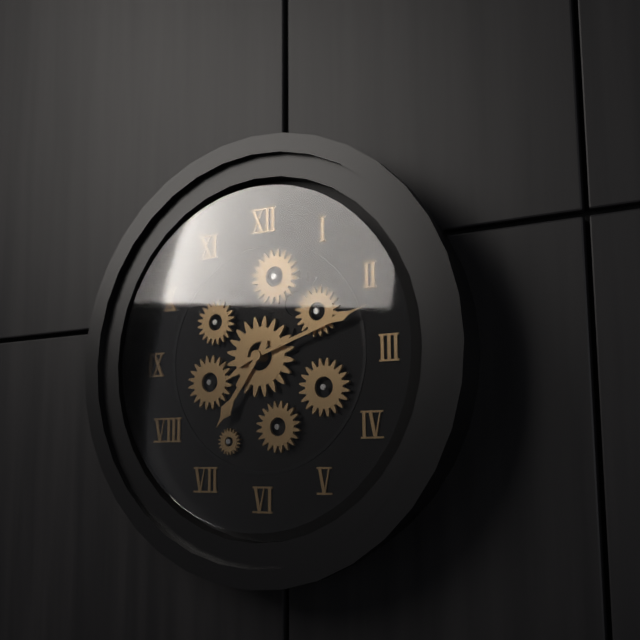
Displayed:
7.12
